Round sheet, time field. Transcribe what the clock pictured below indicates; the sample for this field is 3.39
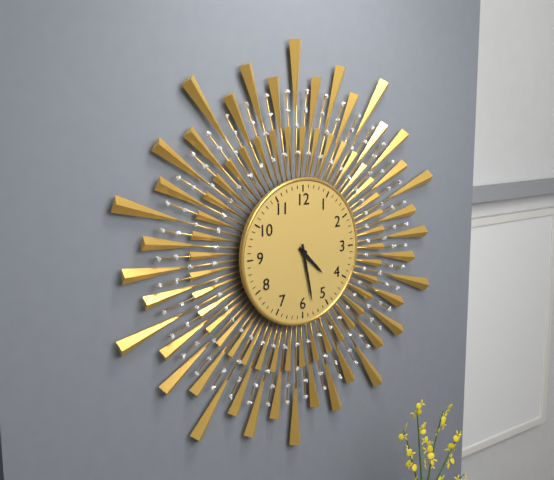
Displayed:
4.28
